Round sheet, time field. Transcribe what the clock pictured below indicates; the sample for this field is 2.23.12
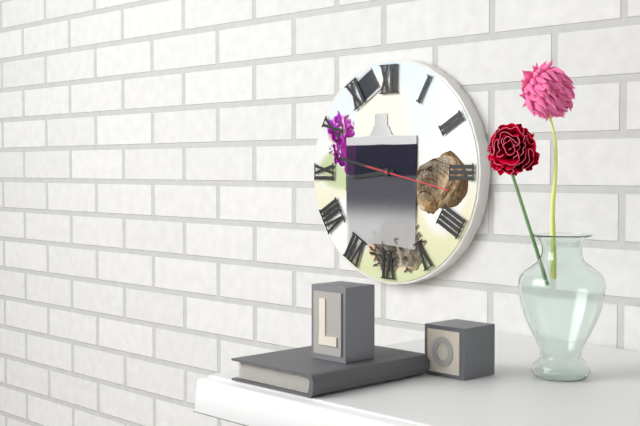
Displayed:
8.47.17
